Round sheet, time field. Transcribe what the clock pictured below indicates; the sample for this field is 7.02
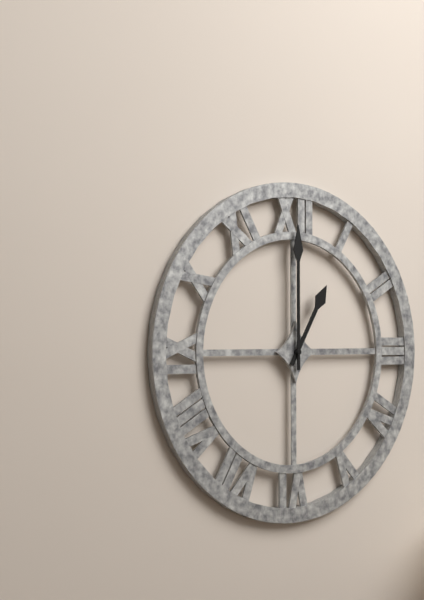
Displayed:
1.00
